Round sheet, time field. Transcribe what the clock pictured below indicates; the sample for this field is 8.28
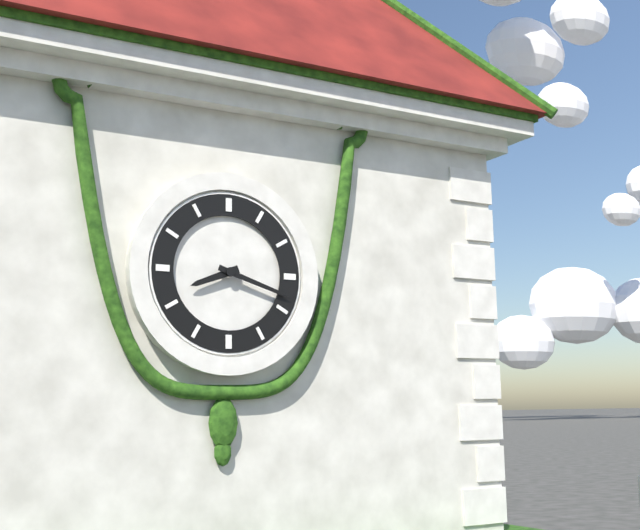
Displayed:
8.18
